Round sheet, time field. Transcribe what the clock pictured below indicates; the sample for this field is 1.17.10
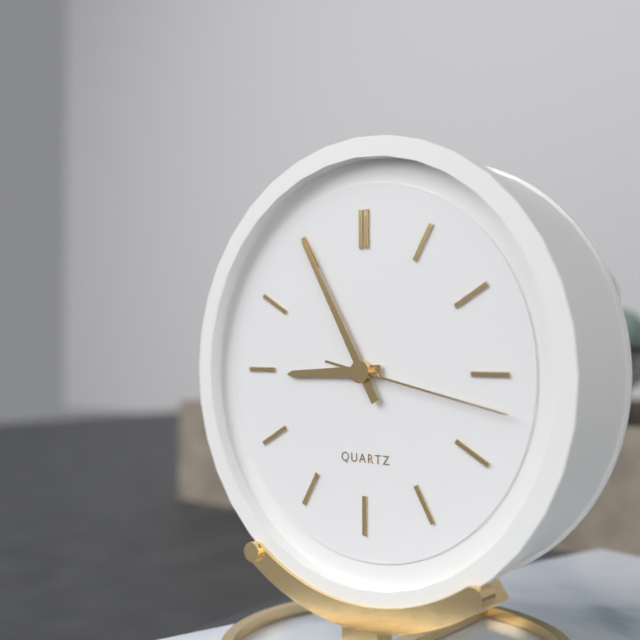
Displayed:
8.55.17
